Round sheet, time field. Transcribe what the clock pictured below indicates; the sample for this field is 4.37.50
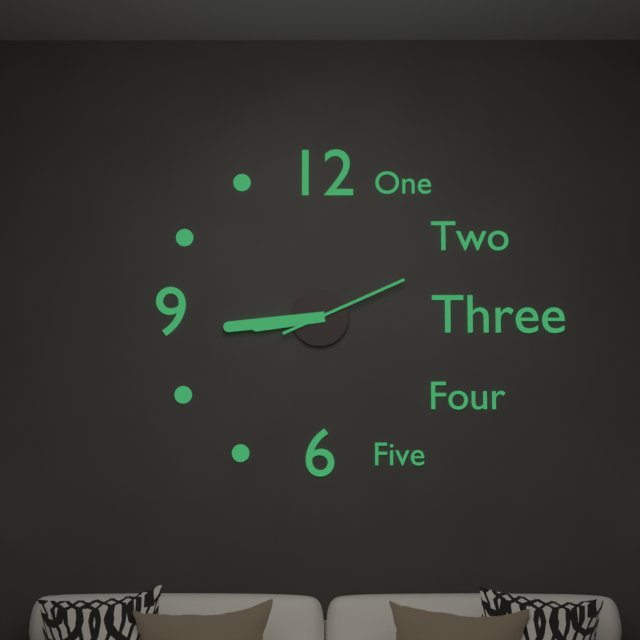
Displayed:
8.44.11
